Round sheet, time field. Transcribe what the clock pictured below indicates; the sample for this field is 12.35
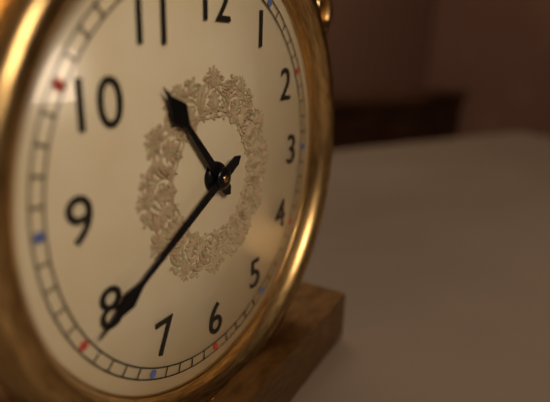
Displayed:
10.40
